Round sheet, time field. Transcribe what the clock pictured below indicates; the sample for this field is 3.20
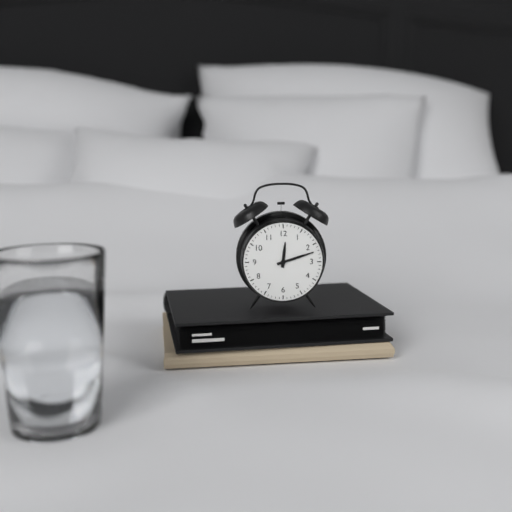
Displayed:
12.12
